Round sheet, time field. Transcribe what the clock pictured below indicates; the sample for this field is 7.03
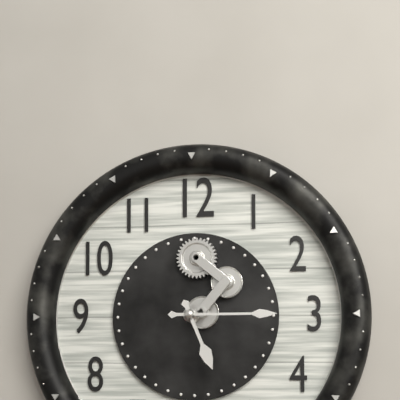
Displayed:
5.15
